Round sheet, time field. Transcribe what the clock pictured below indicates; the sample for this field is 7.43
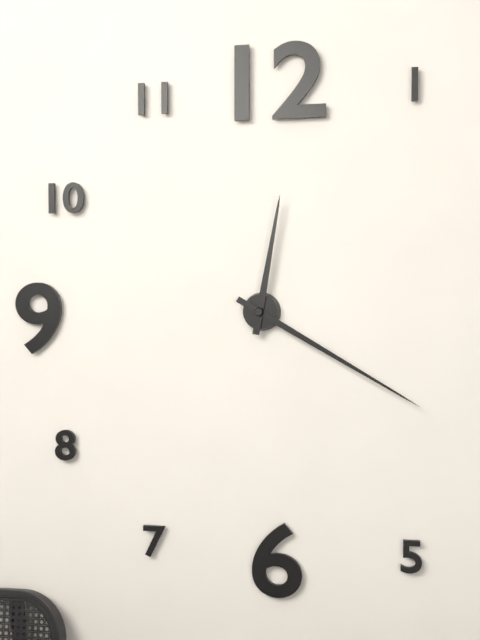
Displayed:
12.20
